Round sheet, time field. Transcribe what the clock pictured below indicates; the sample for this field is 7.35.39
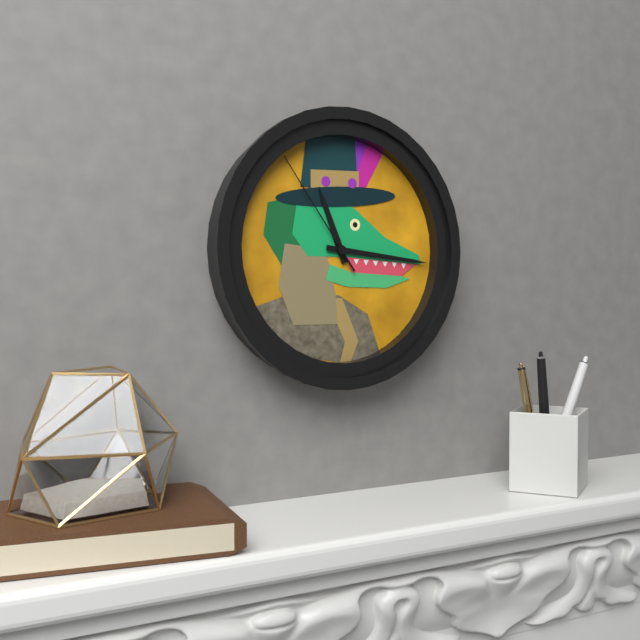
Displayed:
11.16.54
